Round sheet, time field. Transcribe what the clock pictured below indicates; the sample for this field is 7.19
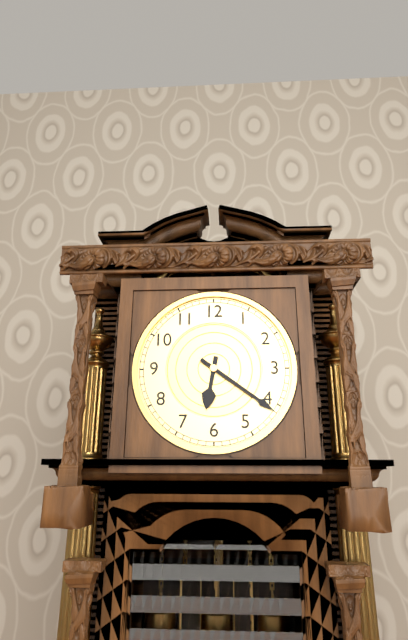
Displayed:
6.21
